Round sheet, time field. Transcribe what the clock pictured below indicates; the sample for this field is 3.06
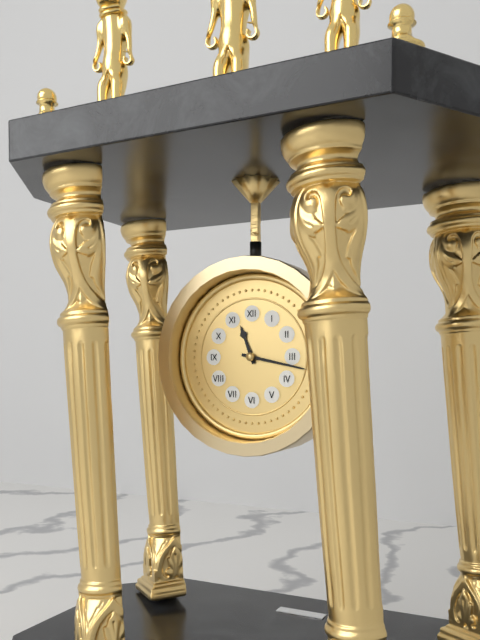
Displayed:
11.17
